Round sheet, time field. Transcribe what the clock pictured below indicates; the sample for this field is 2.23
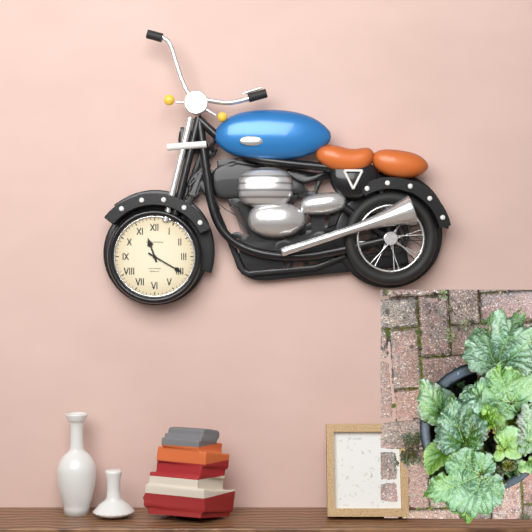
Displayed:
11.20
